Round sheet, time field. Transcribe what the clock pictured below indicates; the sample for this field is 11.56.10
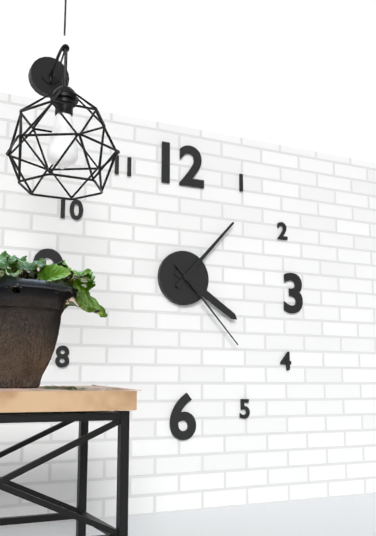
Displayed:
4.07.23
